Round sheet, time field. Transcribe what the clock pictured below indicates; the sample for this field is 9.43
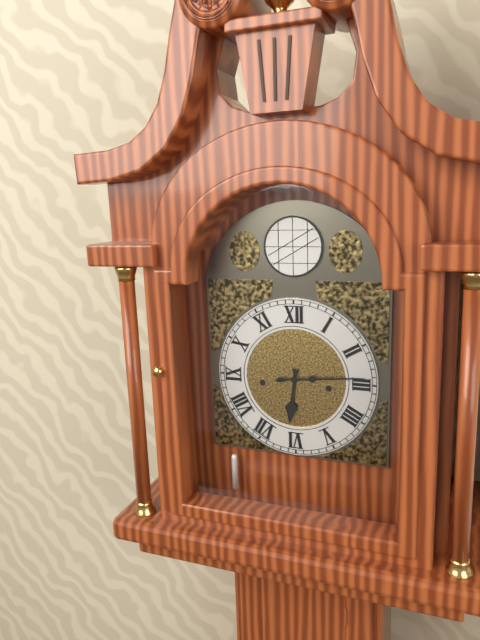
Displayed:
6.14
